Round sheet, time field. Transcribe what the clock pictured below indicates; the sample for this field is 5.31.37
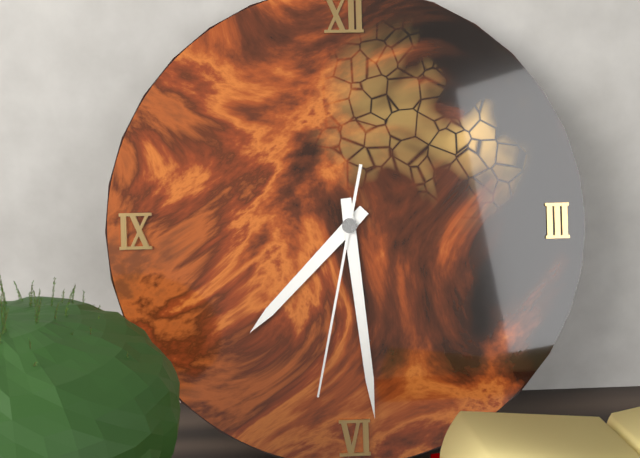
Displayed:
7.29.32
